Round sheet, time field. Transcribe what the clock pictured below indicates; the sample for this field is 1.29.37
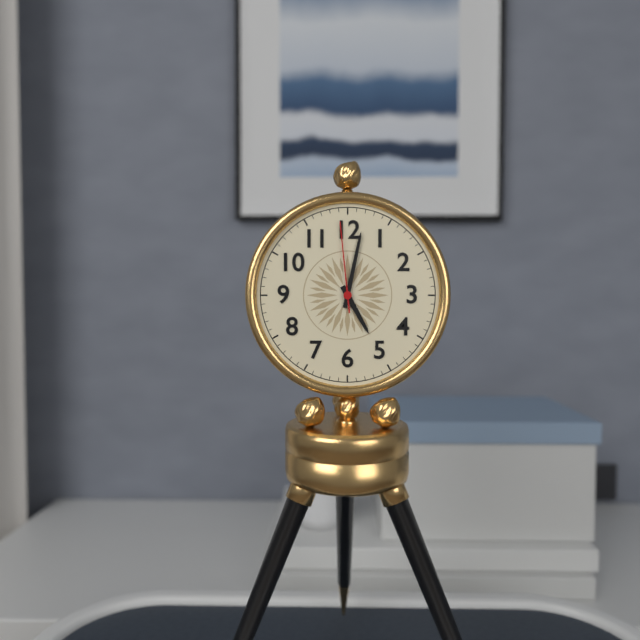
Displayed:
5.02.59
